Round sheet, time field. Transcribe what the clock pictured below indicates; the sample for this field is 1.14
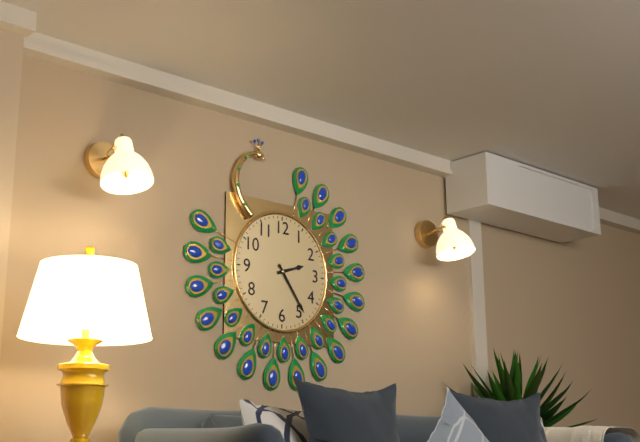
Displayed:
2.24
